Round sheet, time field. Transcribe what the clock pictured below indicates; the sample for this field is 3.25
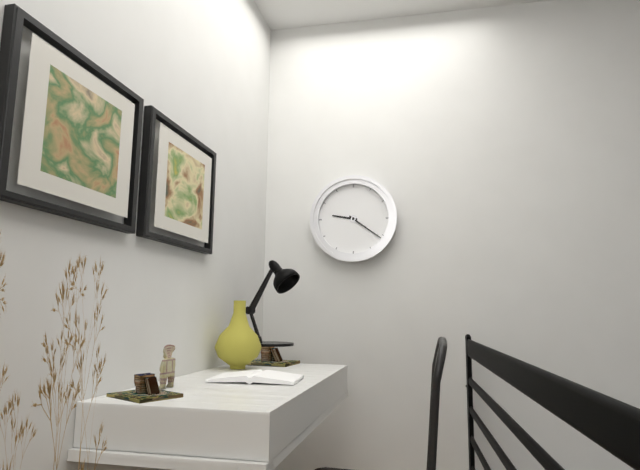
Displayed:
9.21
